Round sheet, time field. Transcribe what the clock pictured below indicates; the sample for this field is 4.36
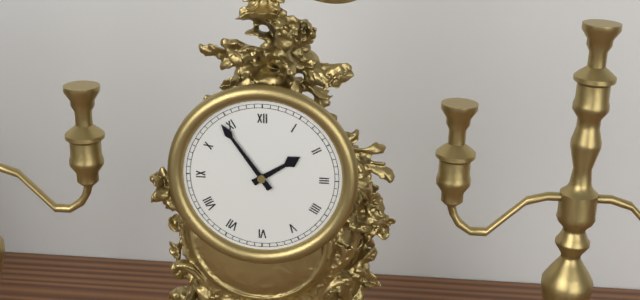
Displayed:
1.54
